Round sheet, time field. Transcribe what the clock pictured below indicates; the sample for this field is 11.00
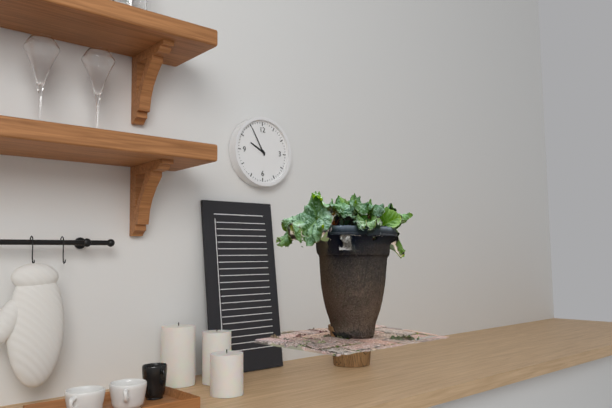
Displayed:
9.55
